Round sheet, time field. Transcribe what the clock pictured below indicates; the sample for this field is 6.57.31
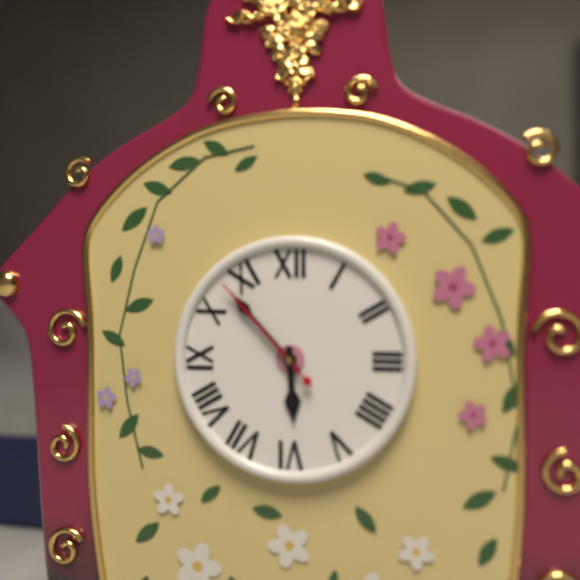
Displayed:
5.53.53
